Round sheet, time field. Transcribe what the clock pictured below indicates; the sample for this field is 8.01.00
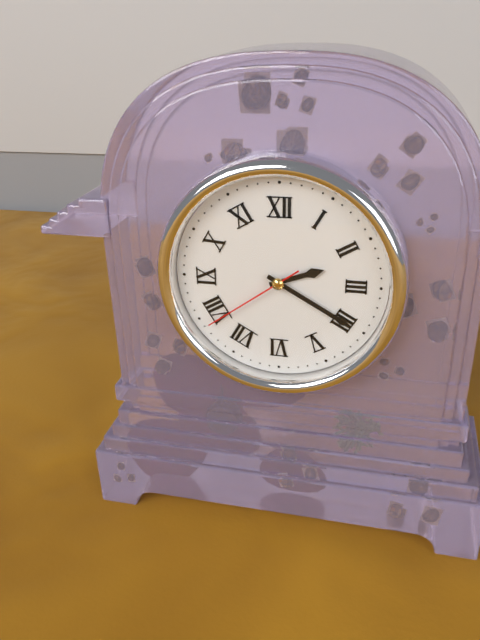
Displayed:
2.20.39
